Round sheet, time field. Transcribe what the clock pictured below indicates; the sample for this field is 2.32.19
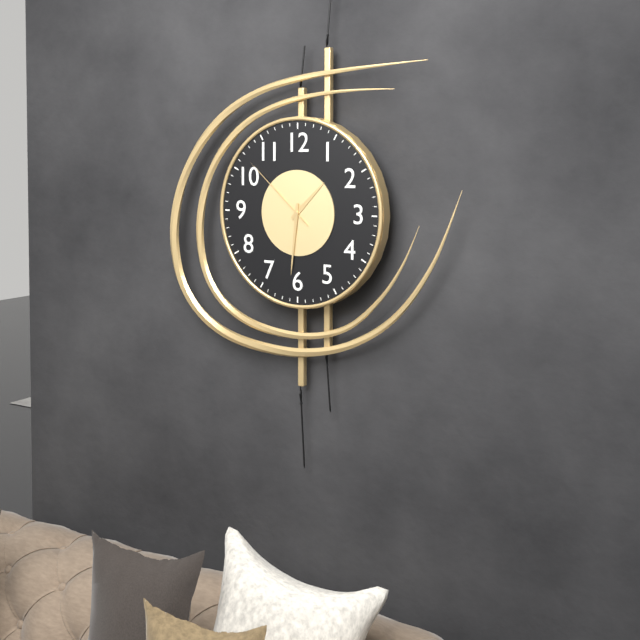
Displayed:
1.31.52
